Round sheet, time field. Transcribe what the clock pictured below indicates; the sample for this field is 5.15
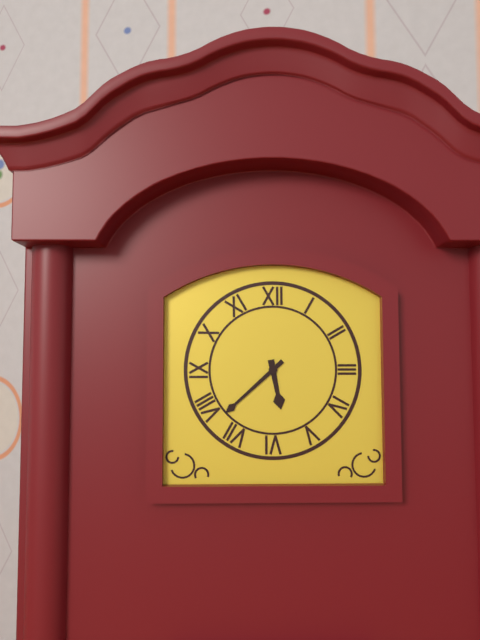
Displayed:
5.38
